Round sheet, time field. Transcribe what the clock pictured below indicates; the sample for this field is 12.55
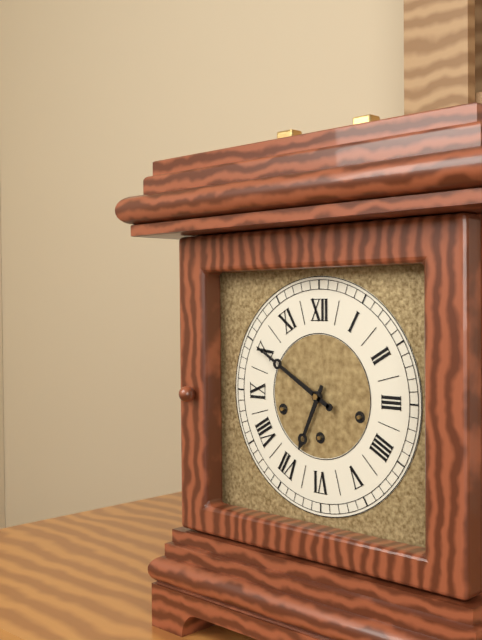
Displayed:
6.50
